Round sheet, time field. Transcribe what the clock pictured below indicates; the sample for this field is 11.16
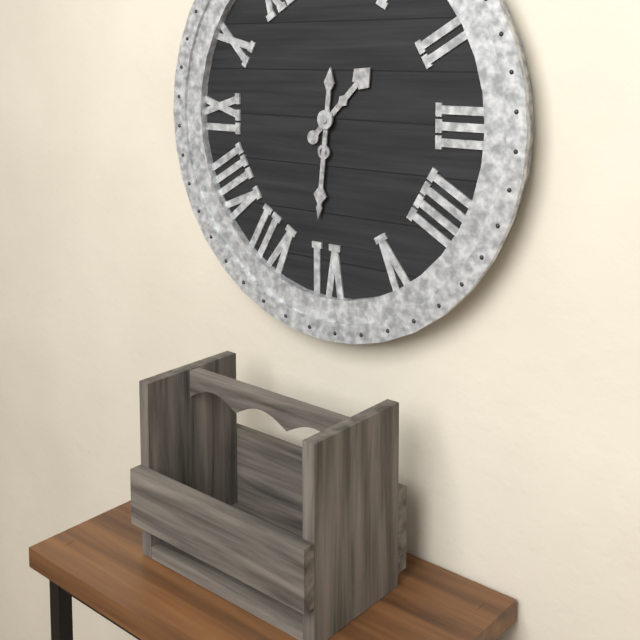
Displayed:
1.31
